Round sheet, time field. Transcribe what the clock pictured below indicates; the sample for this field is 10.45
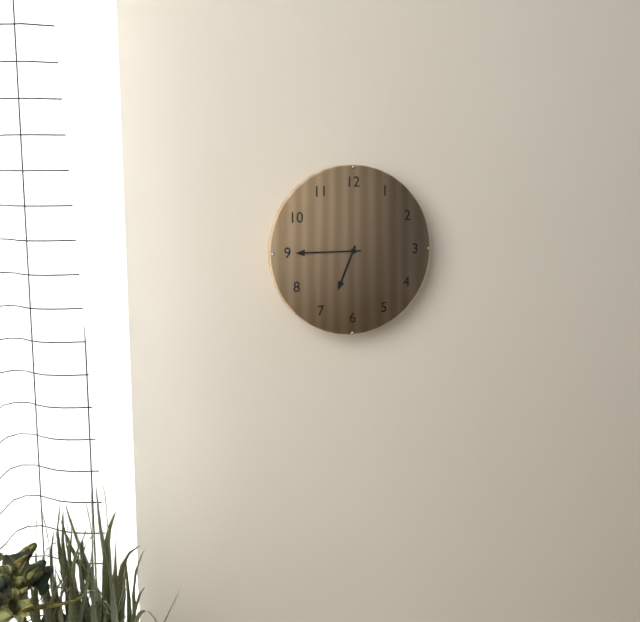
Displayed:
6.45
